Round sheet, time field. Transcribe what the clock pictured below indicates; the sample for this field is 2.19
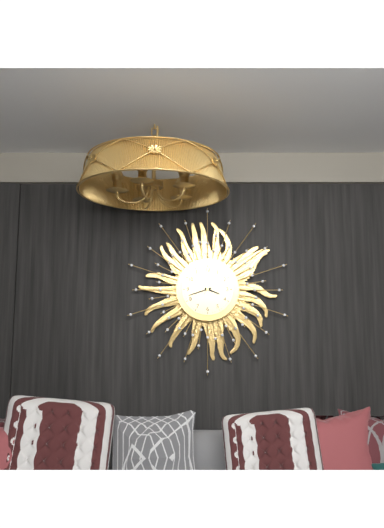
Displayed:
3.42
